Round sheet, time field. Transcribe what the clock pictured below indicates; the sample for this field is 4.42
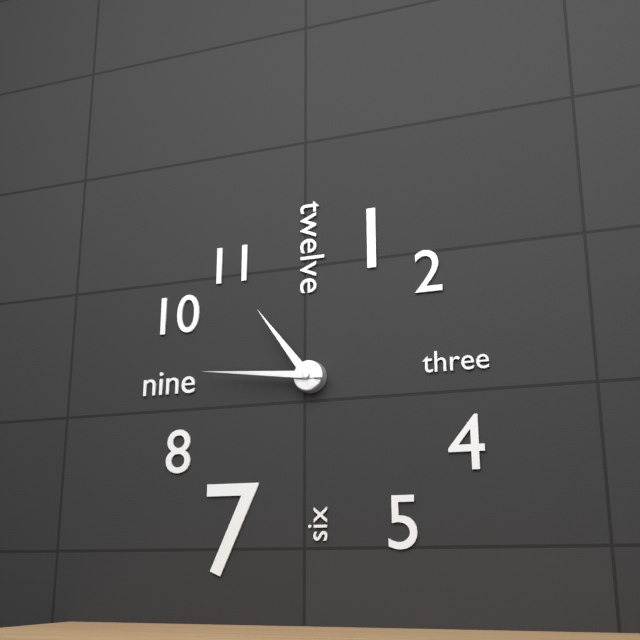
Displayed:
10.46
